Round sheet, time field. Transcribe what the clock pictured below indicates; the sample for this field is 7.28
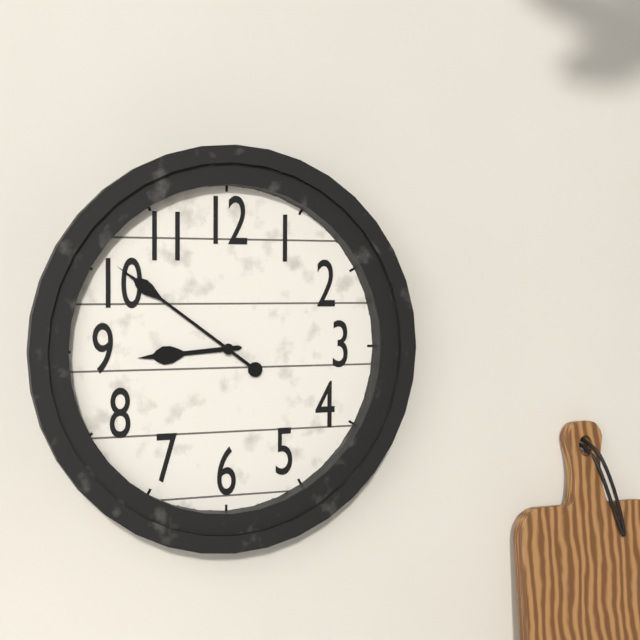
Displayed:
8.51
